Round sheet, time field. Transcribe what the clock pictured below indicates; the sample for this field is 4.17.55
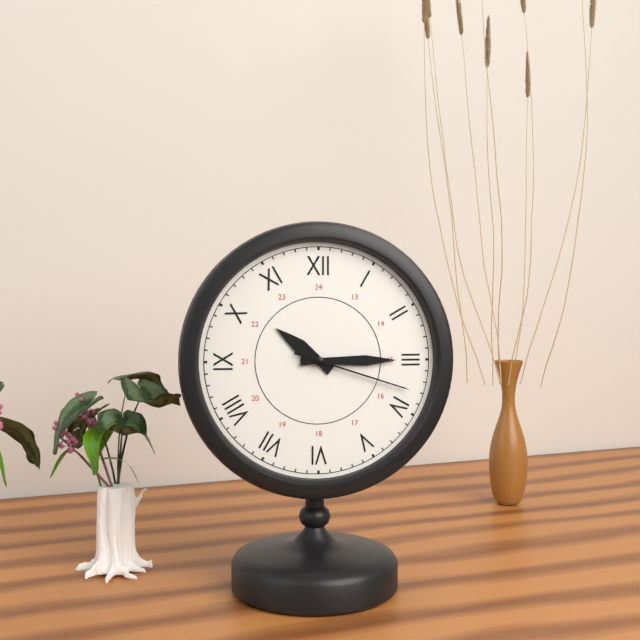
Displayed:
10.15.18
